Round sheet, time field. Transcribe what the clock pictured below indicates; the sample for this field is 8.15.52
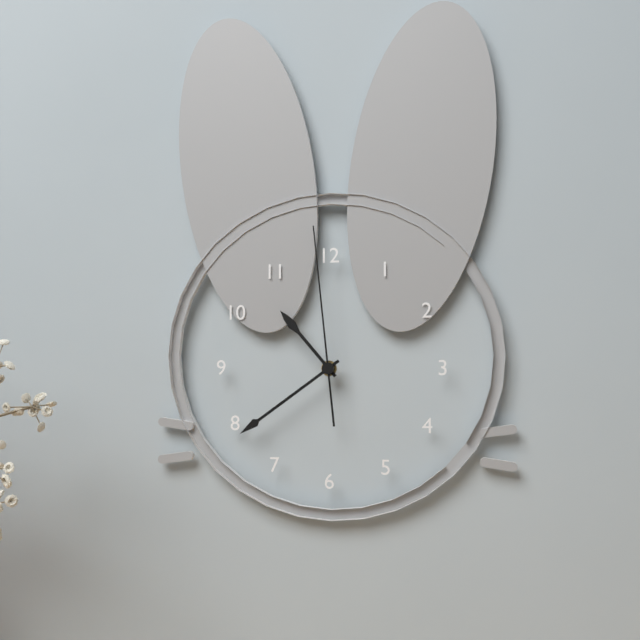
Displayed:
10.39.59
